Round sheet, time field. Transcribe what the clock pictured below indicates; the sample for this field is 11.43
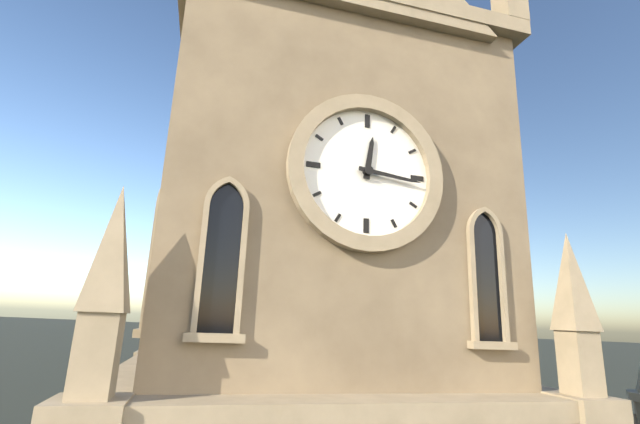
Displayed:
12.16
